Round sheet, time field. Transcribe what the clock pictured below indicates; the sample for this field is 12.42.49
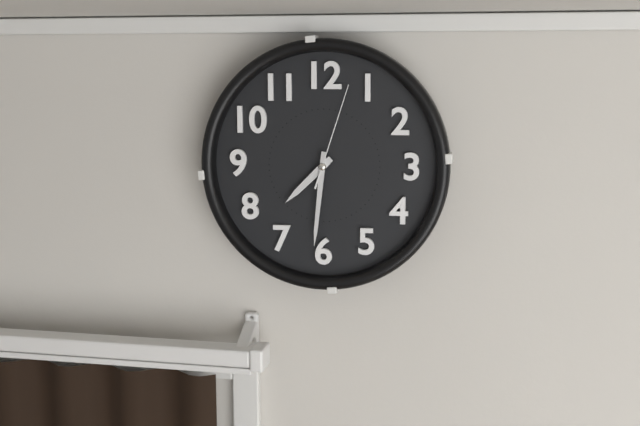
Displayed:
7.31.03
